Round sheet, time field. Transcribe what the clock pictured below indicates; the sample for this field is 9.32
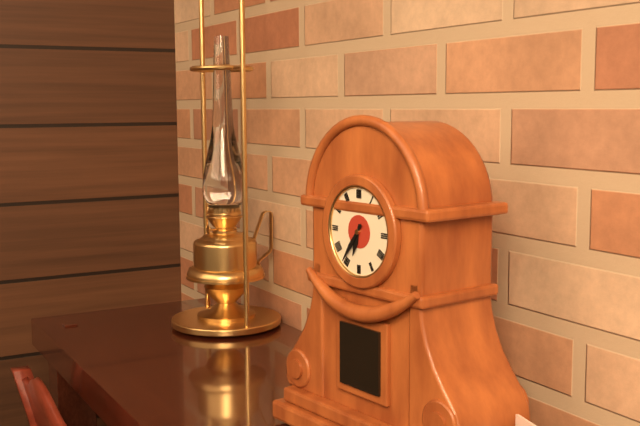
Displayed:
6.36
